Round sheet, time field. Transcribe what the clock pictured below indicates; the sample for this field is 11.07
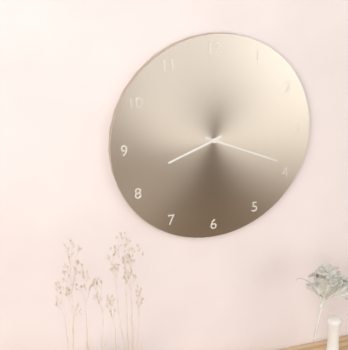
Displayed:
8.19
